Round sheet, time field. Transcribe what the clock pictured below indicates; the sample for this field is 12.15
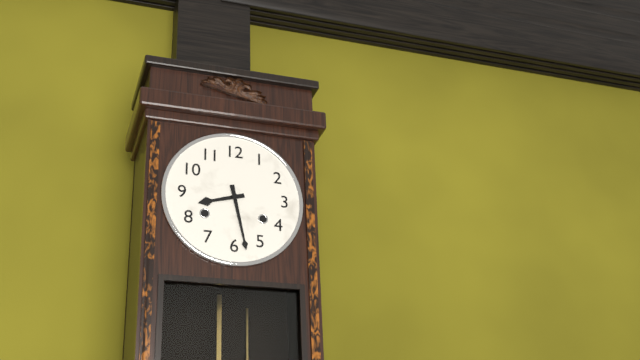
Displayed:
8.28
